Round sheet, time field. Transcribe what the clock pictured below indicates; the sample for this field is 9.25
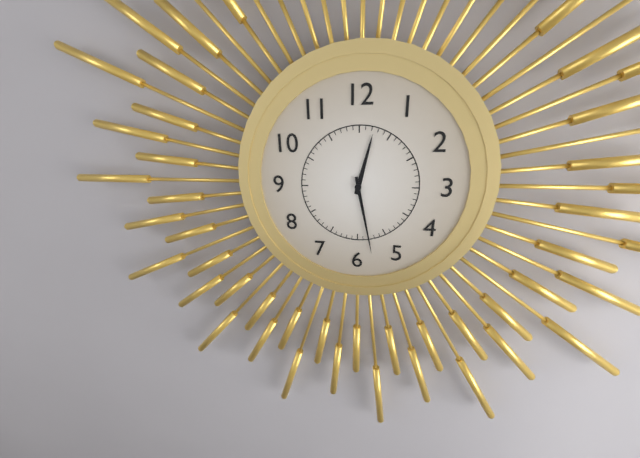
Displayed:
12.28
